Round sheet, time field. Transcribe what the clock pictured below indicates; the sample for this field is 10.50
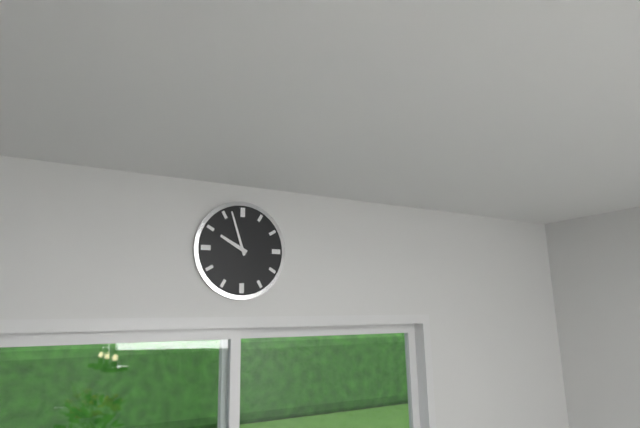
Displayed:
9.57
